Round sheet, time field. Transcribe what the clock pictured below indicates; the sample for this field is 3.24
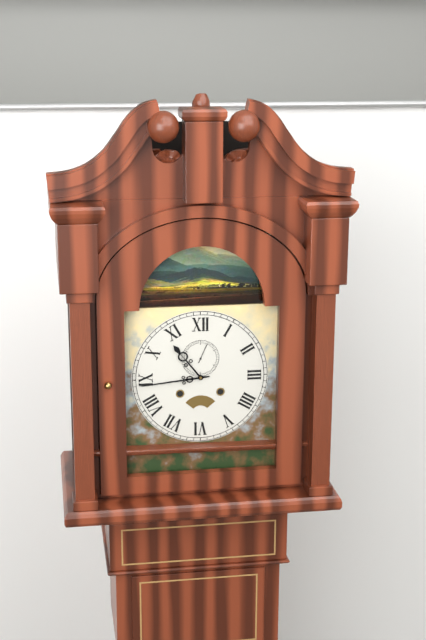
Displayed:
10.44
